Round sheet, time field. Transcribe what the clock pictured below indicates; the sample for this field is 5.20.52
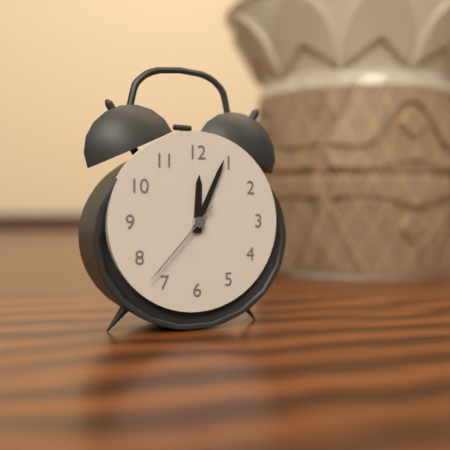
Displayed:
12.04.37
